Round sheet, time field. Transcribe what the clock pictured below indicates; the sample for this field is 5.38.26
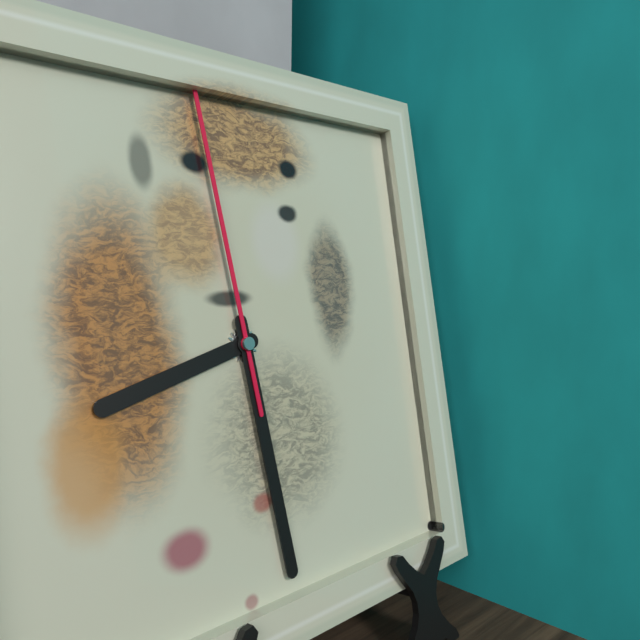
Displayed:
8.29.59
